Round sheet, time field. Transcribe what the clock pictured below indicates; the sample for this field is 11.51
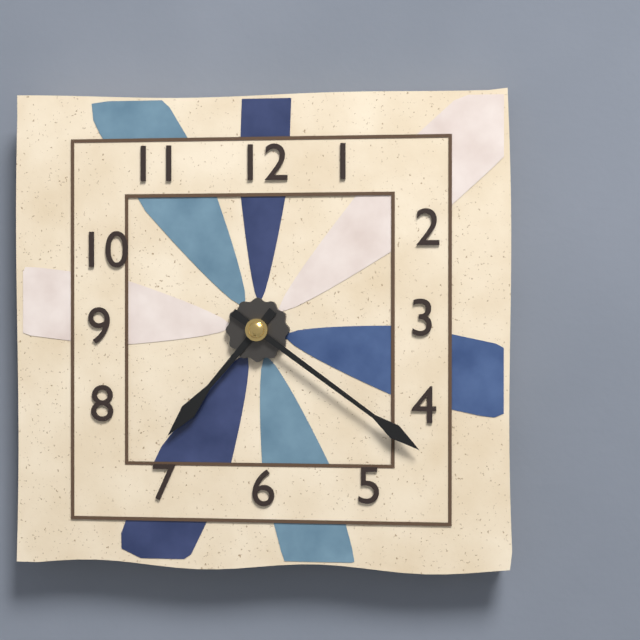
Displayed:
7.21
